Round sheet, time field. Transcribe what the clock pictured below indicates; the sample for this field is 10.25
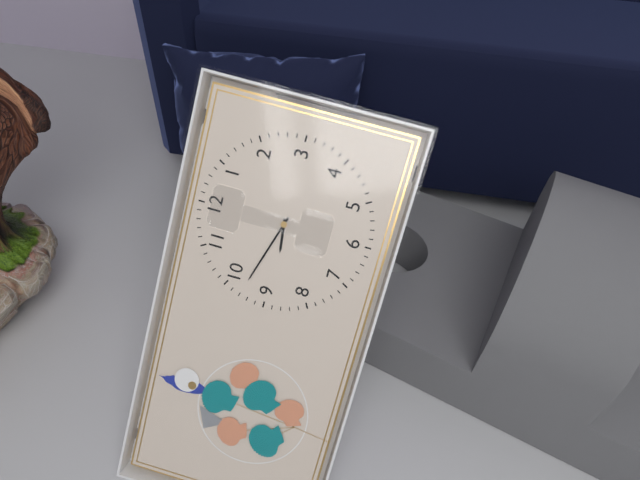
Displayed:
8.48
